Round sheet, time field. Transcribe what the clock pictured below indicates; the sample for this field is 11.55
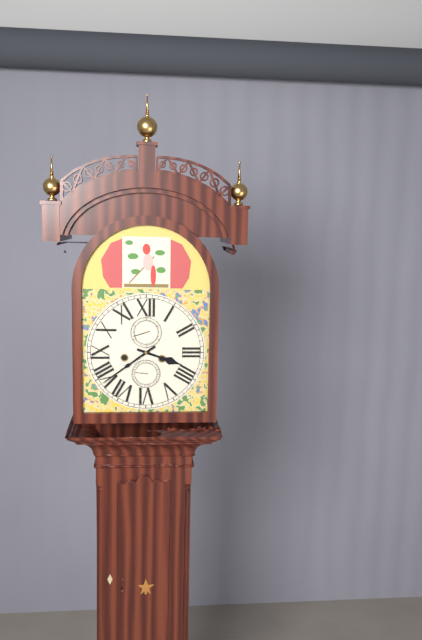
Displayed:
3.39
